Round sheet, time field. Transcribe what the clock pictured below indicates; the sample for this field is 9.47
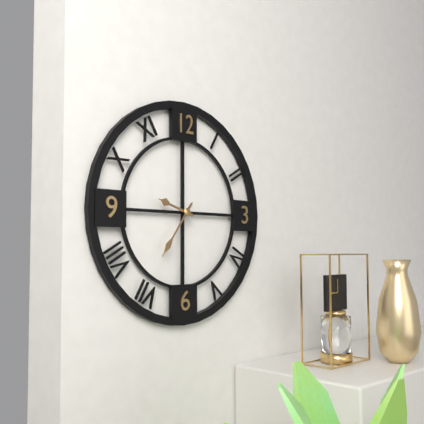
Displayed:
9.36
